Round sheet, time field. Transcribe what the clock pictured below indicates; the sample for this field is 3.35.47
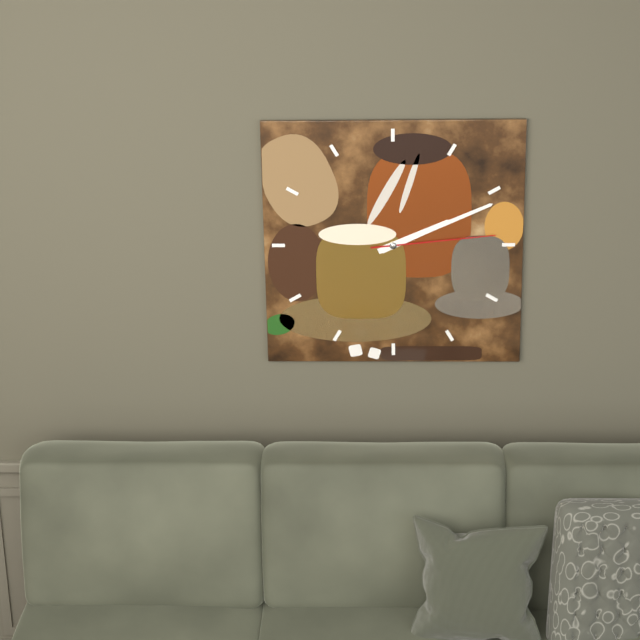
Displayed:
2.11.14
